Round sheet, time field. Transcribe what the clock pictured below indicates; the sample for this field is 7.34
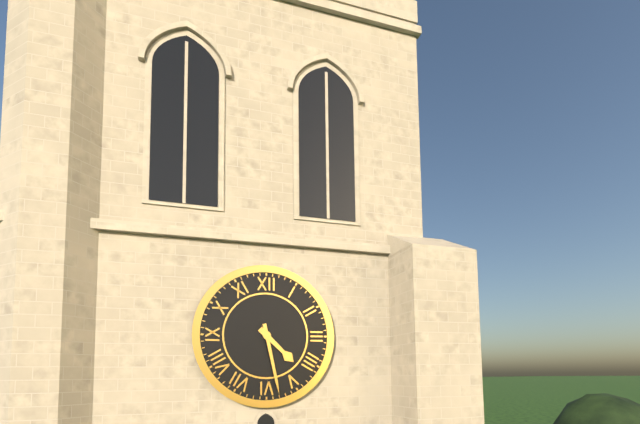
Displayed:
4.28
